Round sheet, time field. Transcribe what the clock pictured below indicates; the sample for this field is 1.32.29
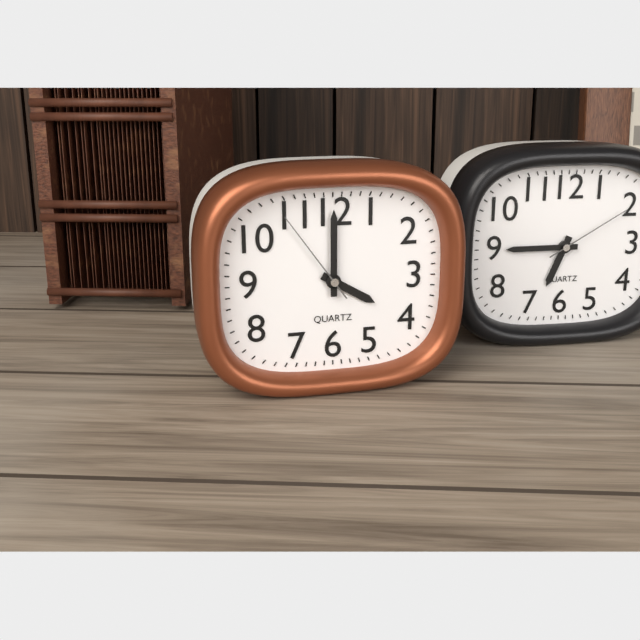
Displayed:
4.00.54
